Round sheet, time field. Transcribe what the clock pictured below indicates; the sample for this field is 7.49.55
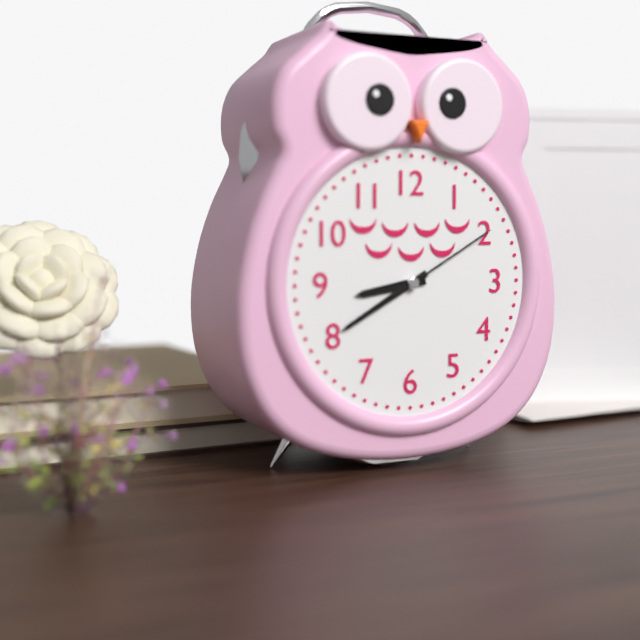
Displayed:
8.40.10
